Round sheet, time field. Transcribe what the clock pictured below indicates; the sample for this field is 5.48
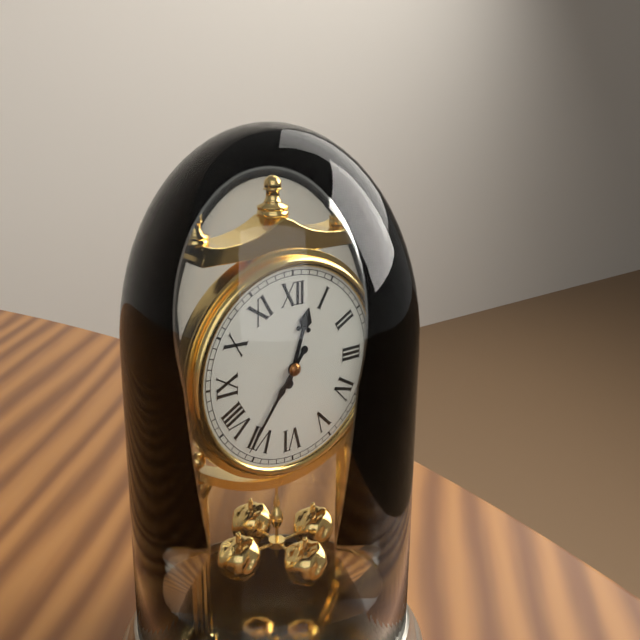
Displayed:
12.36
